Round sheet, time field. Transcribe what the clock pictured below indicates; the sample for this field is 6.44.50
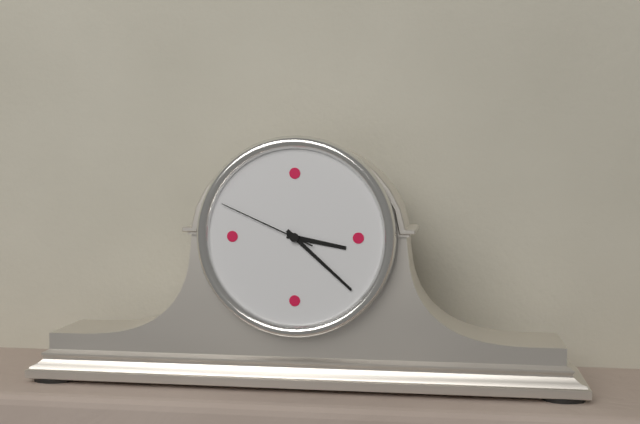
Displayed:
3.22.49
